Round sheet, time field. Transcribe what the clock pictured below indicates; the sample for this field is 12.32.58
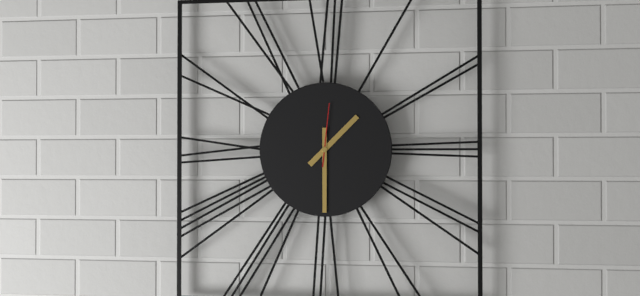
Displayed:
1.30.01
